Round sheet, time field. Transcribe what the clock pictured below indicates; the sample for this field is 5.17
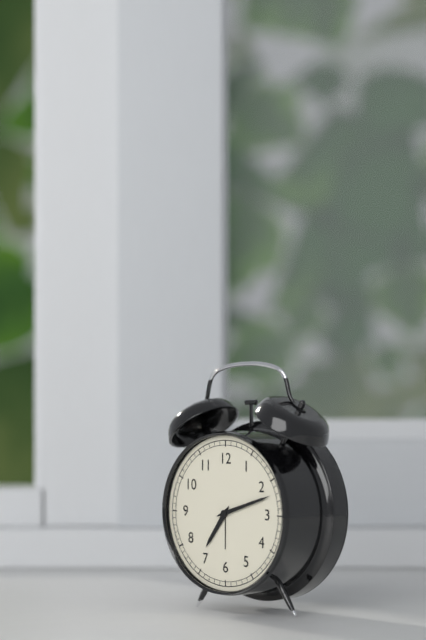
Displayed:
7.12
